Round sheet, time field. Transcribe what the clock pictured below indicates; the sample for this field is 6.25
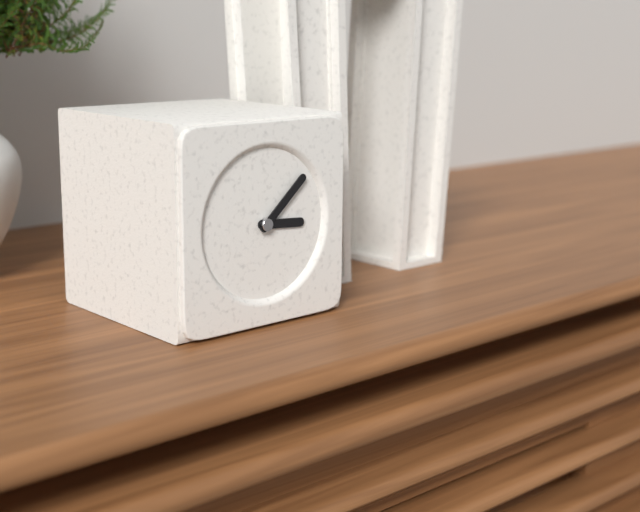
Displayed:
3.08
